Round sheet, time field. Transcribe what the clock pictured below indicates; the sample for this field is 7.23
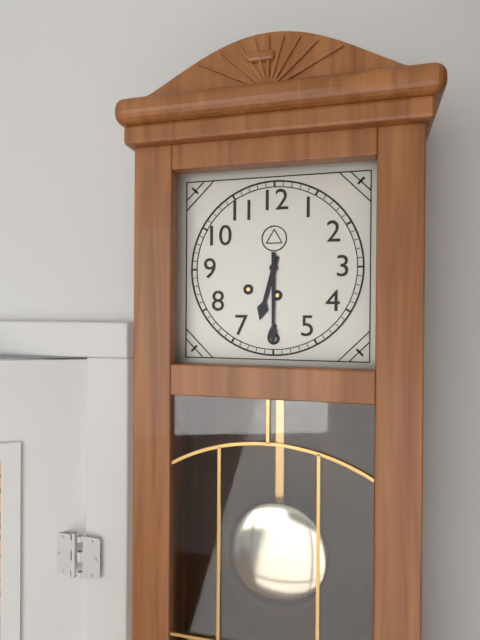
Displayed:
6.30
